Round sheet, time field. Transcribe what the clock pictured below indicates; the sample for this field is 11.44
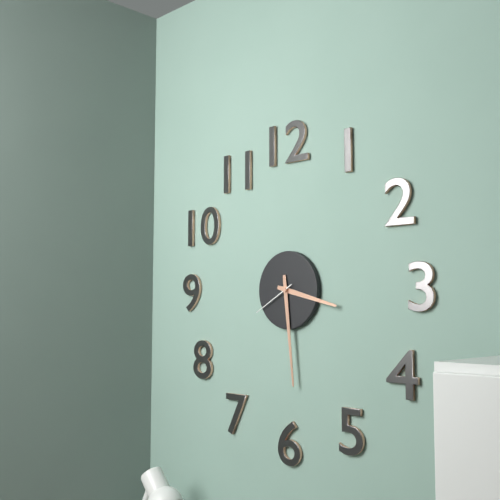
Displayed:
3.29
